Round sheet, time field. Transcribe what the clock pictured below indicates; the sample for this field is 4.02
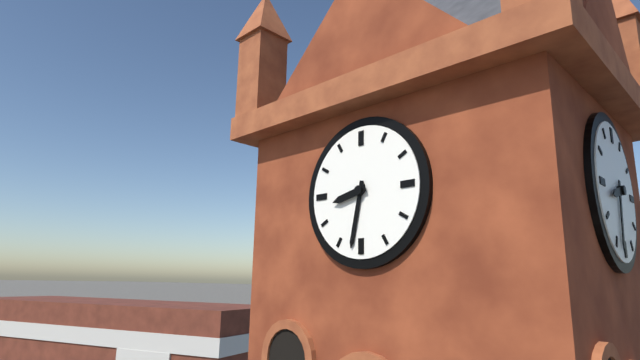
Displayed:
8.32
